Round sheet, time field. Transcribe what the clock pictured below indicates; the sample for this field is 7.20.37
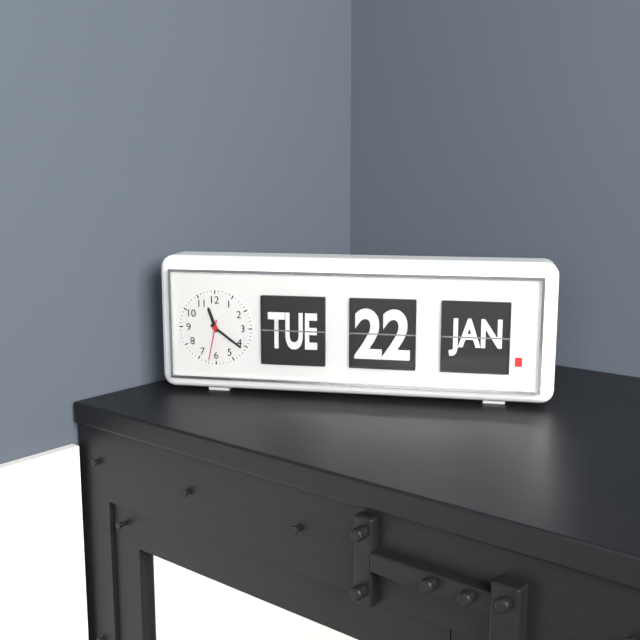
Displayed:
11.21.32
